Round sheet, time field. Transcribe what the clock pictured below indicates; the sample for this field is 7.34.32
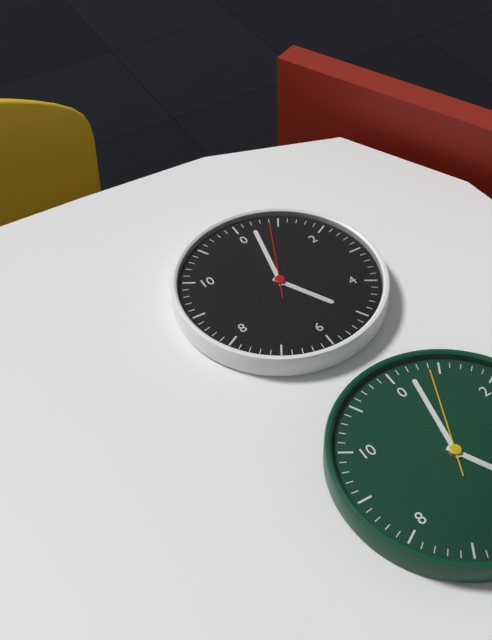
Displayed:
5.02.04
